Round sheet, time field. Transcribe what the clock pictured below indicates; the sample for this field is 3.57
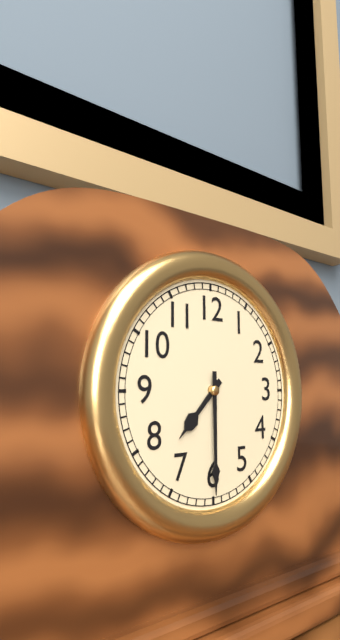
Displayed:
7.30
